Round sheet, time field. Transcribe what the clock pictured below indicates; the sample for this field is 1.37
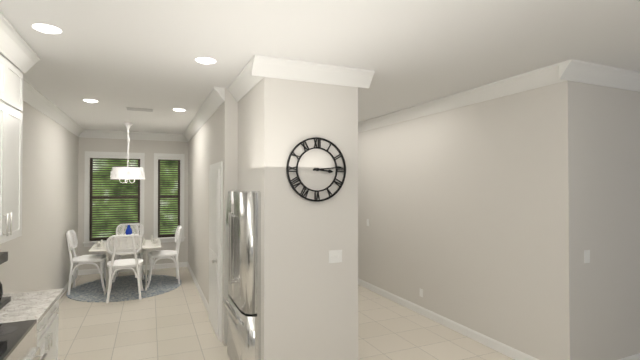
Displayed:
3.14
